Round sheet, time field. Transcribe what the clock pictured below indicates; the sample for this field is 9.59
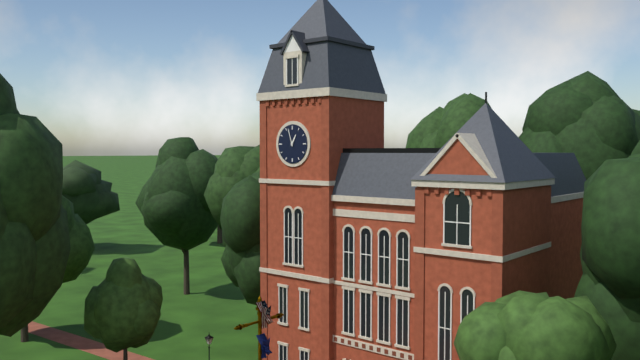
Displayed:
12.57
